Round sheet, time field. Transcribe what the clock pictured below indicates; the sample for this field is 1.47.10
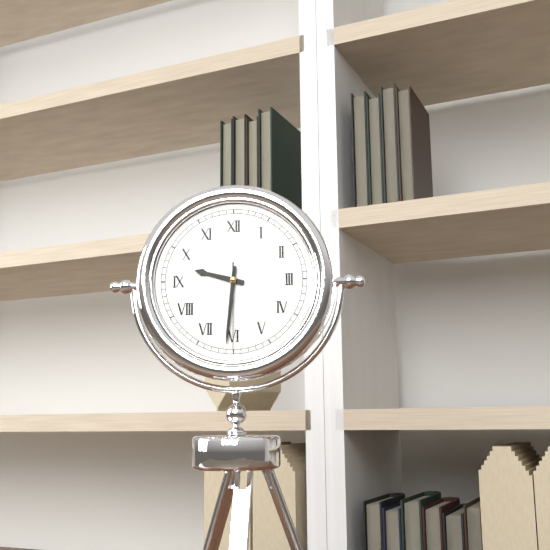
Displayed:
9.31.30
